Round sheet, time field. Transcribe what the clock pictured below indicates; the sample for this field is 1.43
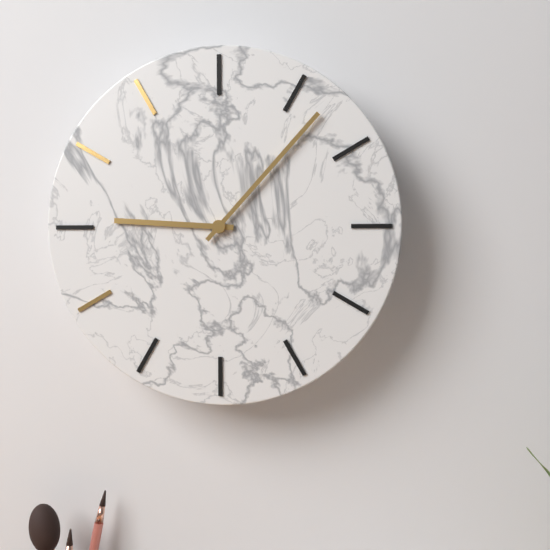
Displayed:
9.07
